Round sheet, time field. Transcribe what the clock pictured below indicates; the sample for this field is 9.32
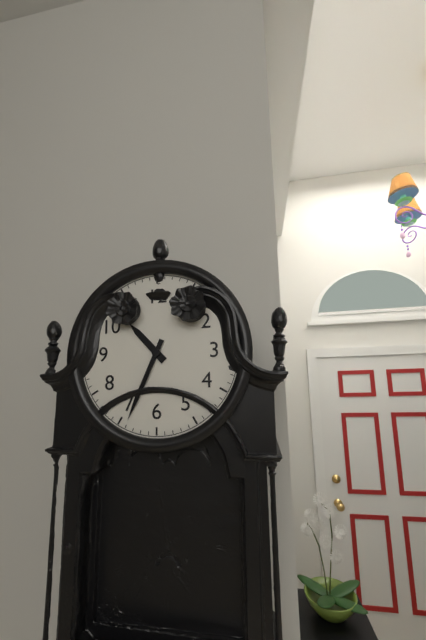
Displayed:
10.34
